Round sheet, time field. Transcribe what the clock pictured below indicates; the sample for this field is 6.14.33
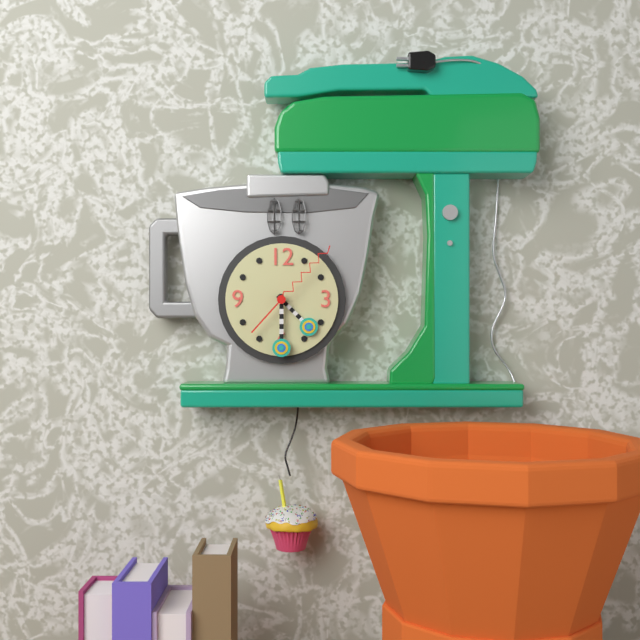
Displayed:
4.30.07
